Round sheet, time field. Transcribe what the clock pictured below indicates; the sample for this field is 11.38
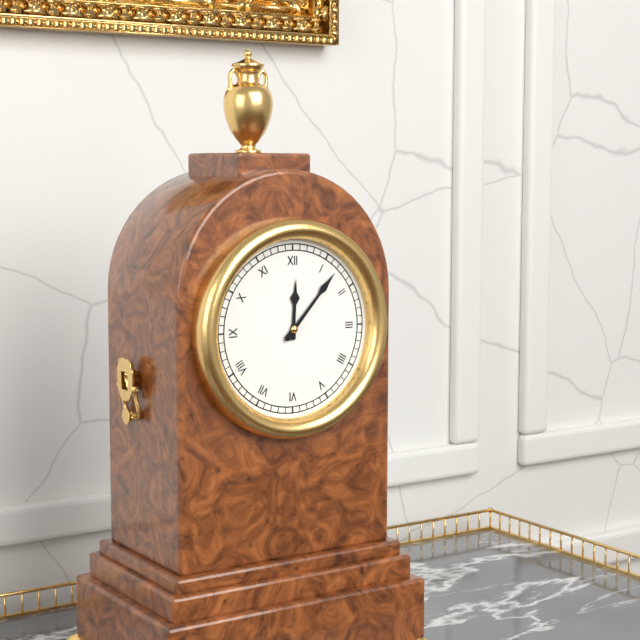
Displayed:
12.07
